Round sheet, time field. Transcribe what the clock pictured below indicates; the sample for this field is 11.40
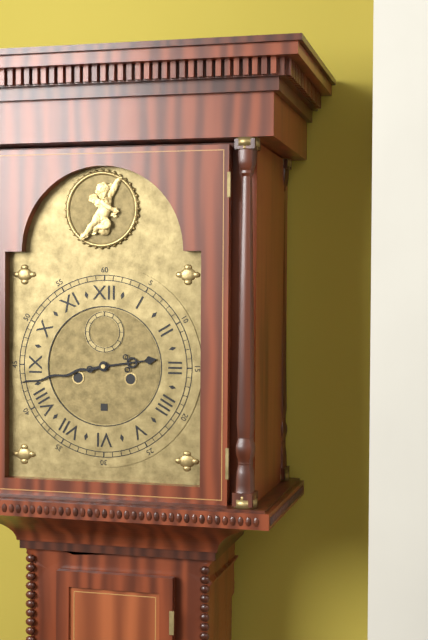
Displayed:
2.43
